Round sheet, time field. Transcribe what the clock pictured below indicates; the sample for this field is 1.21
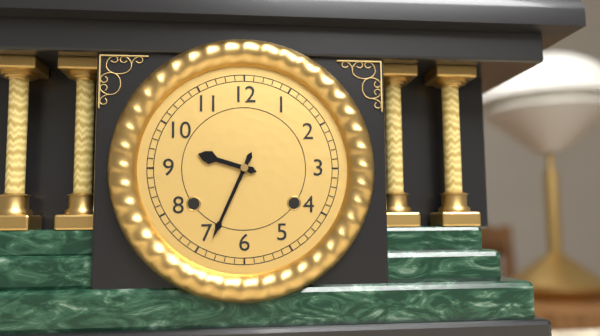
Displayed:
9.34
